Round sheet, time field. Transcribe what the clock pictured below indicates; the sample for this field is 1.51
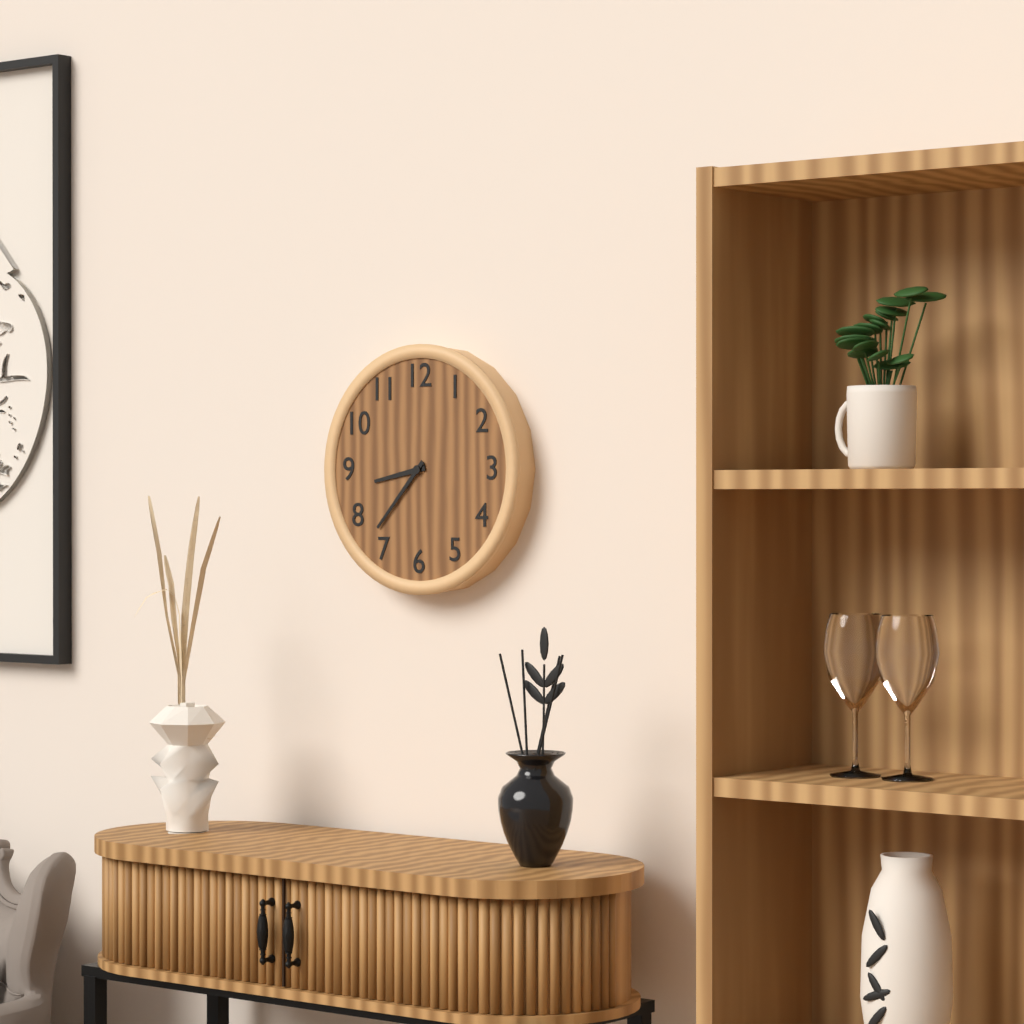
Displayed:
8.37
